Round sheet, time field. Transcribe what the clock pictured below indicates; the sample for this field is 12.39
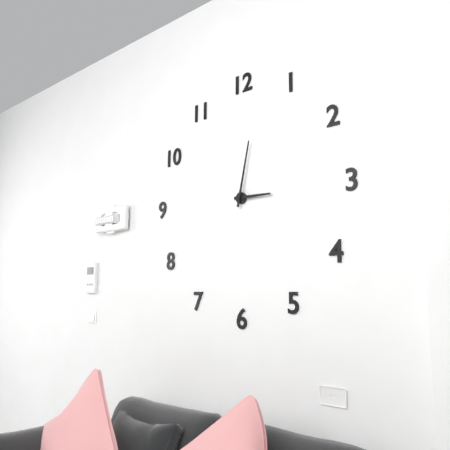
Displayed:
3.02
